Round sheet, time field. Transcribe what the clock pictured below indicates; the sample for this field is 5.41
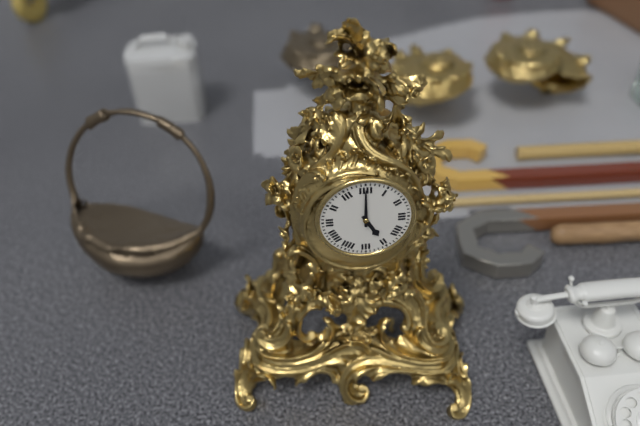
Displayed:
5.00
